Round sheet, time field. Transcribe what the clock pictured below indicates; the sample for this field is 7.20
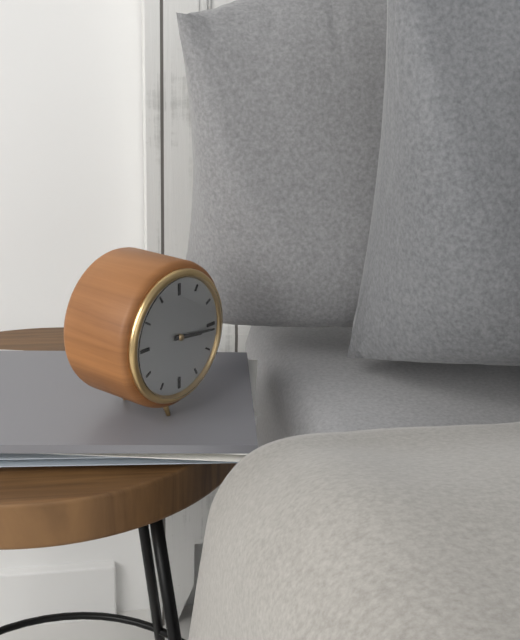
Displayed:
3.16
